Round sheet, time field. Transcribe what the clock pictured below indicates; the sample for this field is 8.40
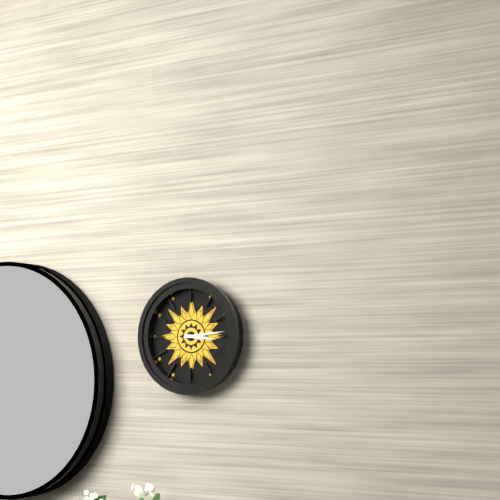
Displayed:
3.14
